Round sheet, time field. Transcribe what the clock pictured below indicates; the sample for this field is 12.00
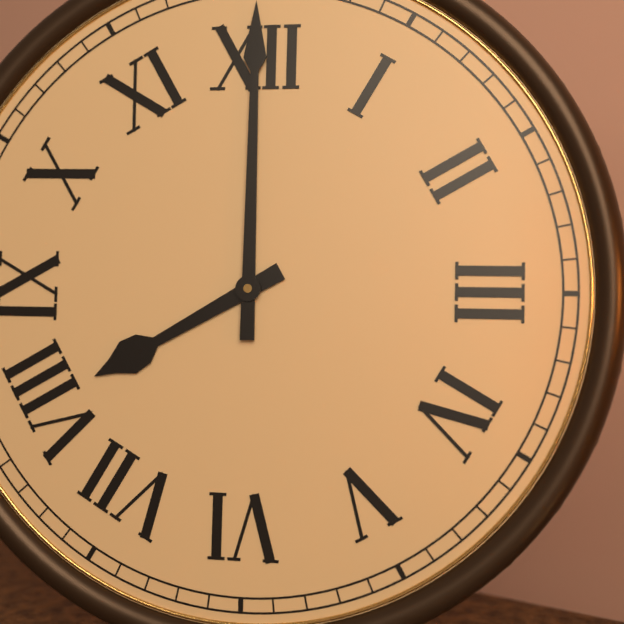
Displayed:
8.00
